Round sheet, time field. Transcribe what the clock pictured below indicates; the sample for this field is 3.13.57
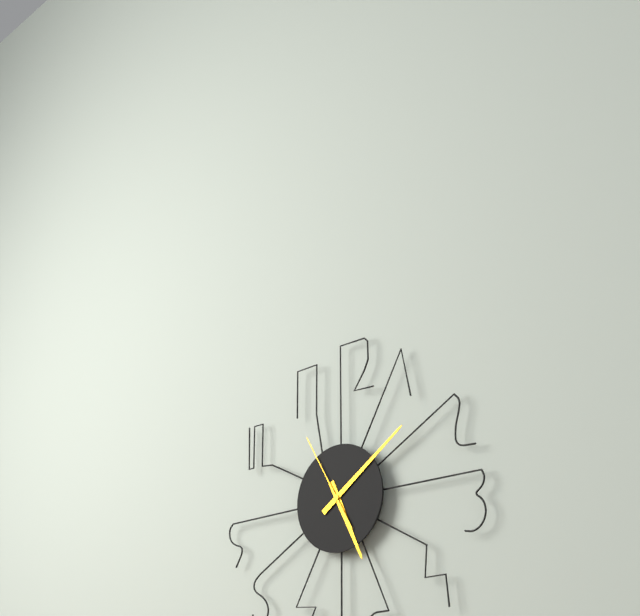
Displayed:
5.09.55
